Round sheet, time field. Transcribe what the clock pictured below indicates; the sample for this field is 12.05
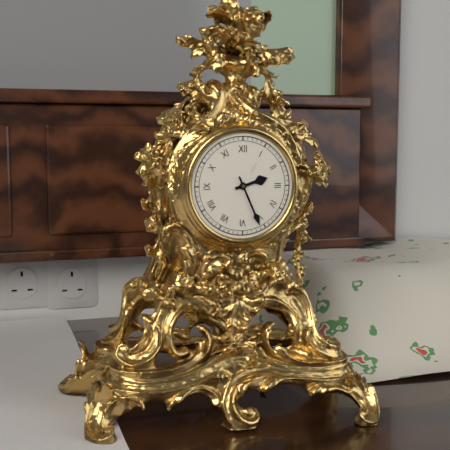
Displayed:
2.26
